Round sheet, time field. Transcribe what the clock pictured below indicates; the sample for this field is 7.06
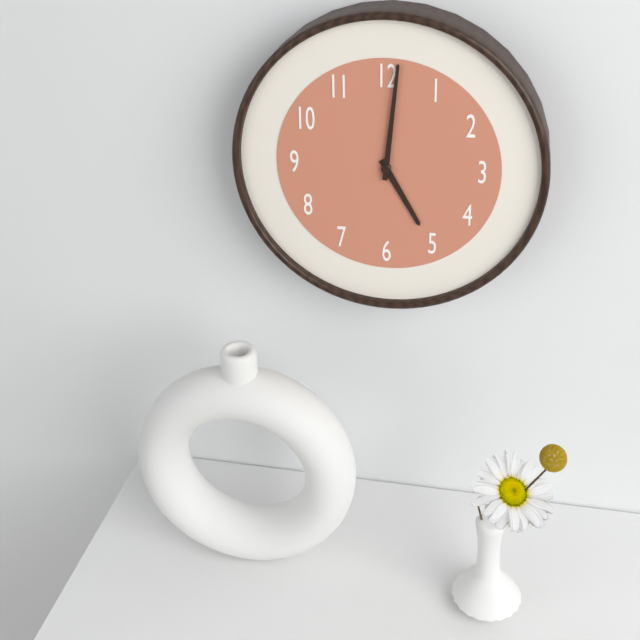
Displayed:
5.01
